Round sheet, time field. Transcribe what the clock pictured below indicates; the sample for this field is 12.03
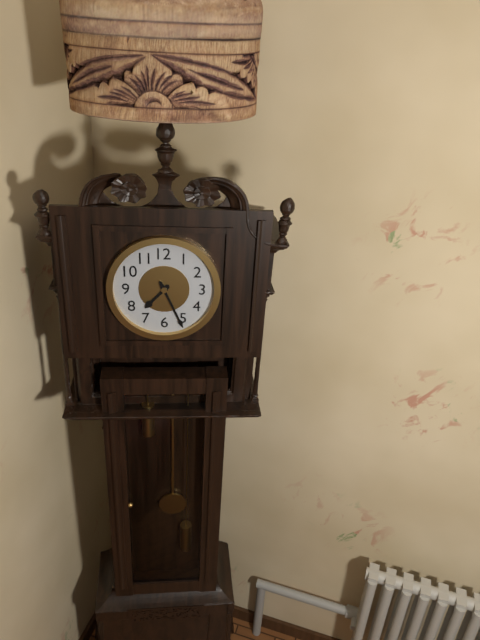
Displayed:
7.26
